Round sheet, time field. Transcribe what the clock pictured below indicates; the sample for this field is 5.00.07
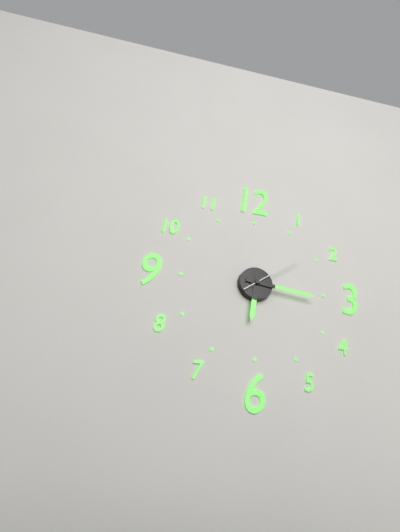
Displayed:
6.16.09
